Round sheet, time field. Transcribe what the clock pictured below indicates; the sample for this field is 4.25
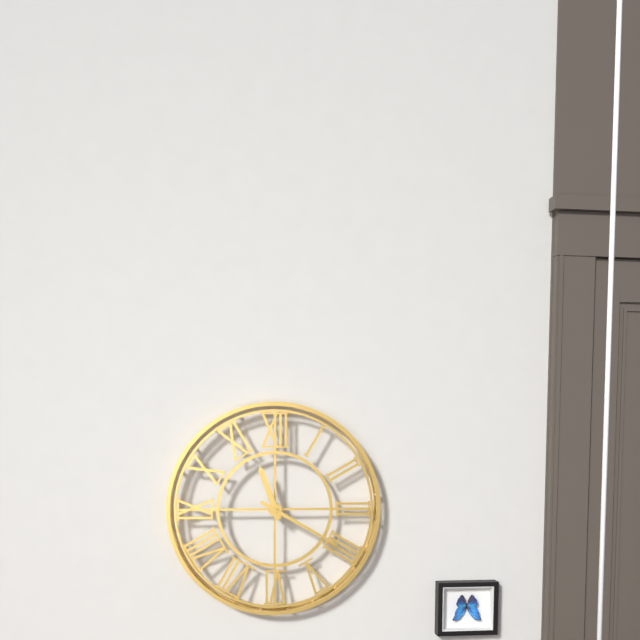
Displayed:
11.20
